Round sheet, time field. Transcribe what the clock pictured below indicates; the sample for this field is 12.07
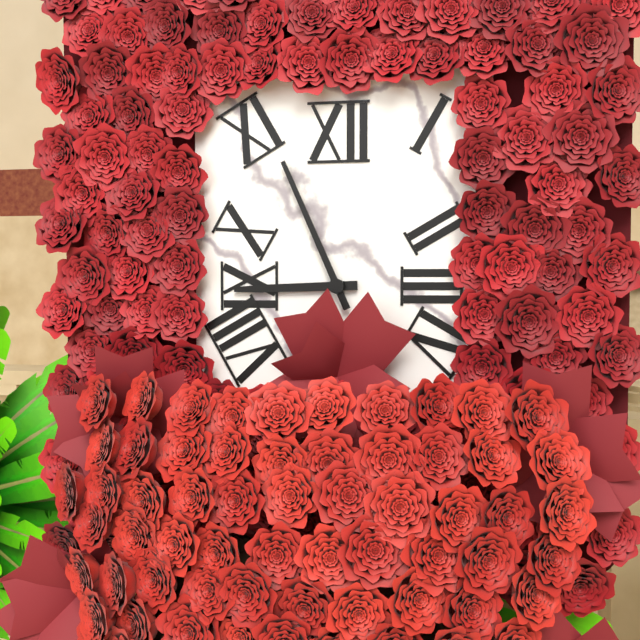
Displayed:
8.56
